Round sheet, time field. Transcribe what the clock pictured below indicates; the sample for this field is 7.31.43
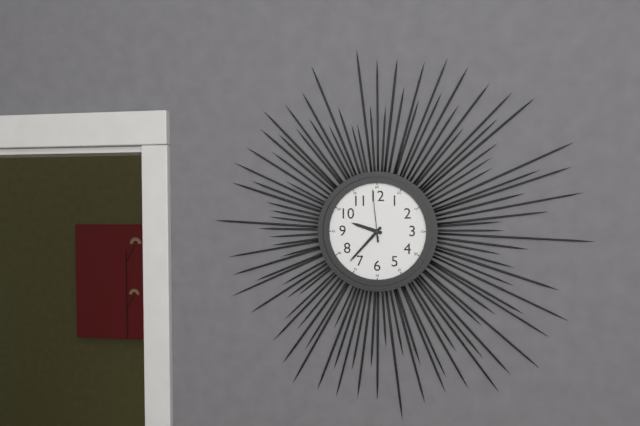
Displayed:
9.37.59
